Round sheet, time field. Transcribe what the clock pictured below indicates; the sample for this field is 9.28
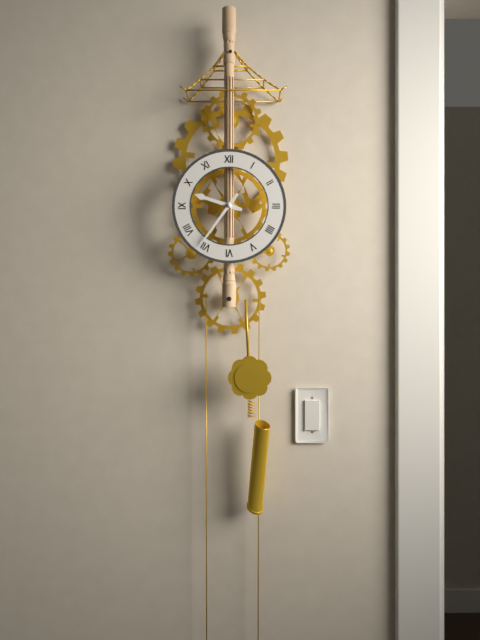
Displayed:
9.36
